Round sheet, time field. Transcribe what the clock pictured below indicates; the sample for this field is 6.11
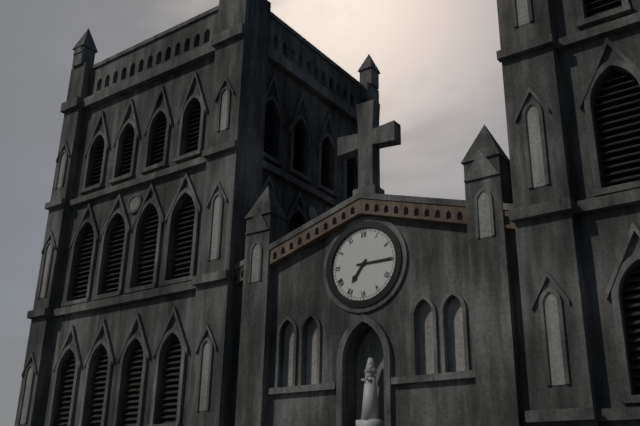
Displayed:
7.15
